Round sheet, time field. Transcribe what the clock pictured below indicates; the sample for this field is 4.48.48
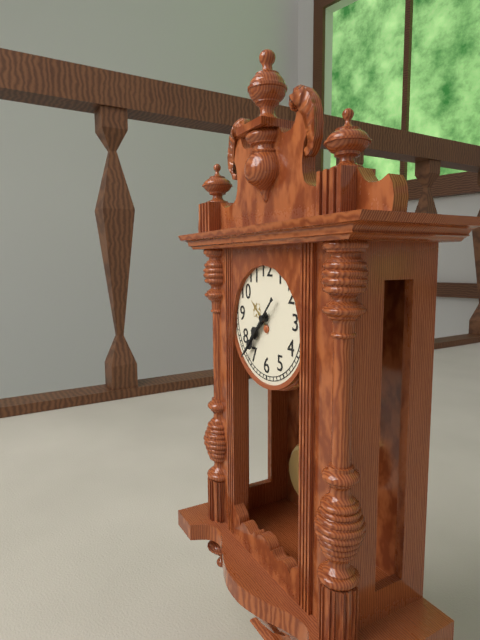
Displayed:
7.37.37
